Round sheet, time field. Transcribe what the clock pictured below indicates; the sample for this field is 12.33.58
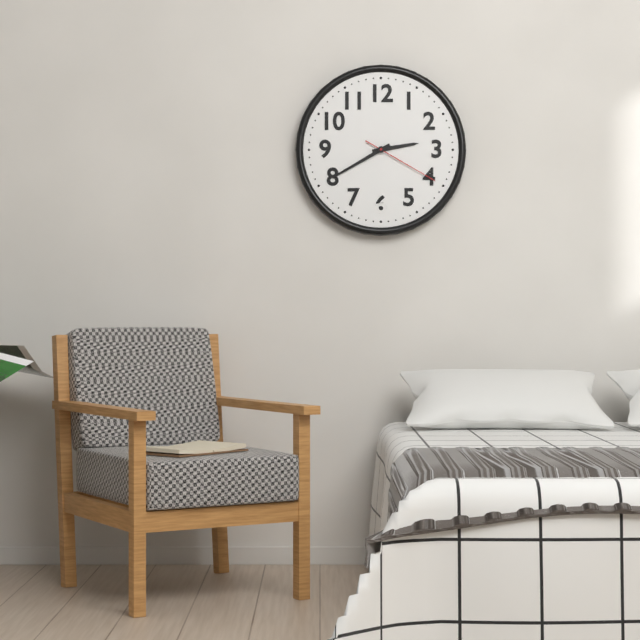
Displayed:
2.40.20
